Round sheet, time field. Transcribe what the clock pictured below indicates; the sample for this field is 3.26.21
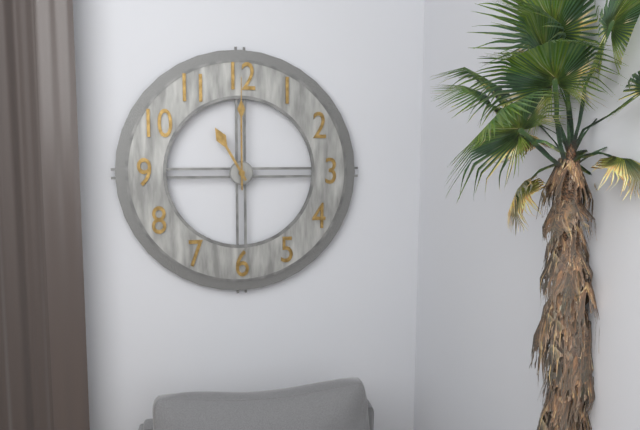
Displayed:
11.00.00
